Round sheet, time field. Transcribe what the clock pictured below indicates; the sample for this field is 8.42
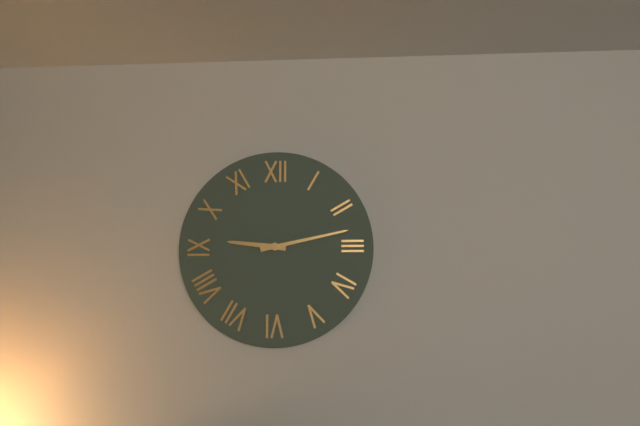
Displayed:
9.13
